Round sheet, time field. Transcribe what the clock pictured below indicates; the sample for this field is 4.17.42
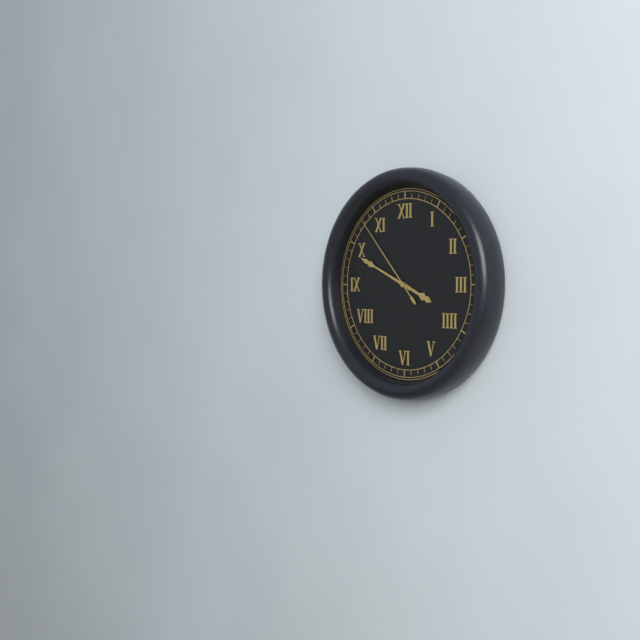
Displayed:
3.49.53
